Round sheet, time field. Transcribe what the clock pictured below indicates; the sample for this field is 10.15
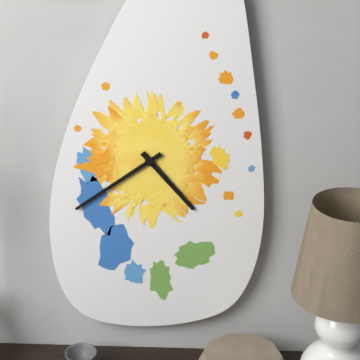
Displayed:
4.39
